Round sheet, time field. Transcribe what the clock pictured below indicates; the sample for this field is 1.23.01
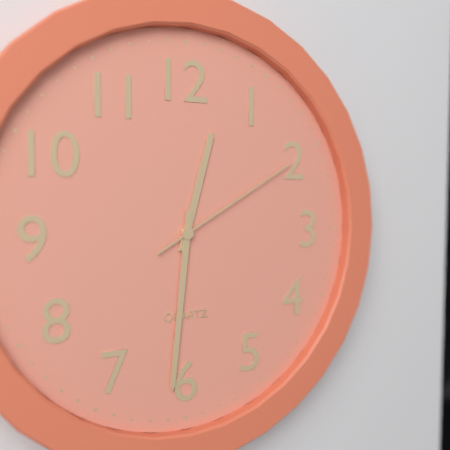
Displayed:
12.31.10
